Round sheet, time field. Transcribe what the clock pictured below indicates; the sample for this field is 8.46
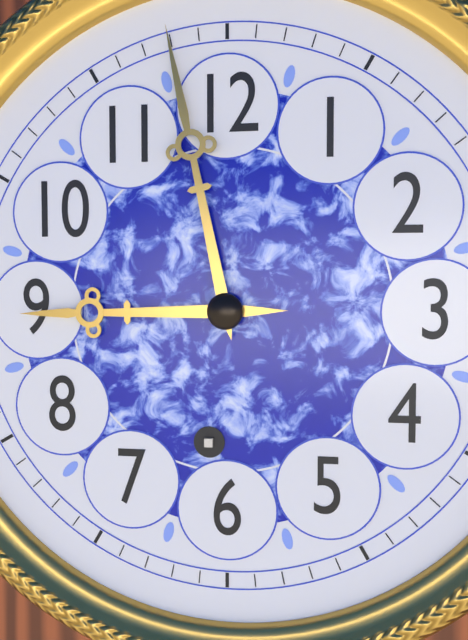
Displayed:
8.58
